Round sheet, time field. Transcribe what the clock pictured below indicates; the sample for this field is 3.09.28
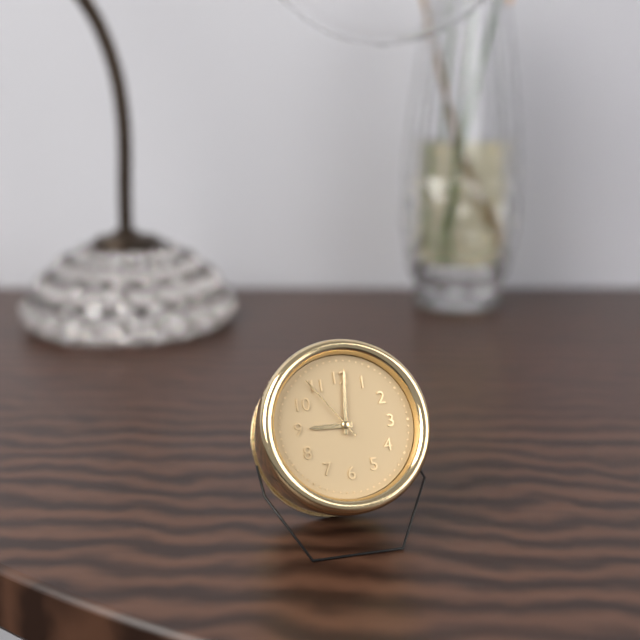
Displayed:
9.01.54
